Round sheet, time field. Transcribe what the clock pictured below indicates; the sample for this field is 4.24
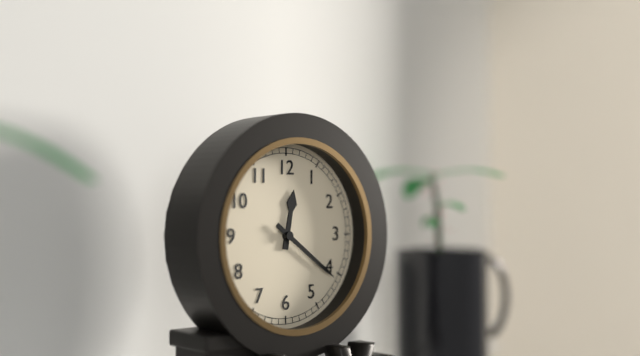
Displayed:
12.21
